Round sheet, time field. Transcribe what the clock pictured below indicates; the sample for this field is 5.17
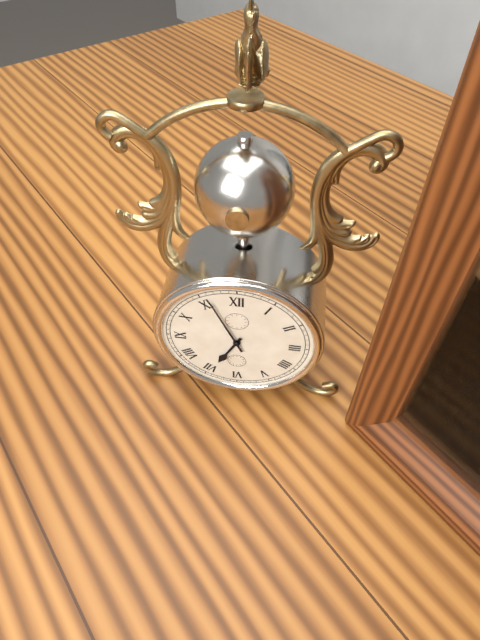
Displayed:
6.56
